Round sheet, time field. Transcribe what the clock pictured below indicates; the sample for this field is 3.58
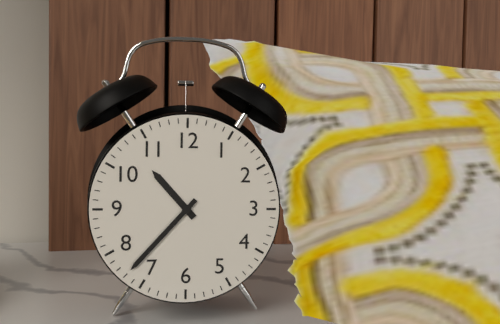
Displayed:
10.37
